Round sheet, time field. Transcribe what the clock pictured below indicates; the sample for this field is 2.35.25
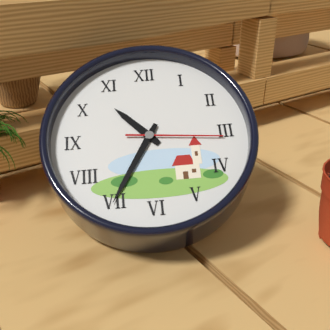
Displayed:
10.35.16
